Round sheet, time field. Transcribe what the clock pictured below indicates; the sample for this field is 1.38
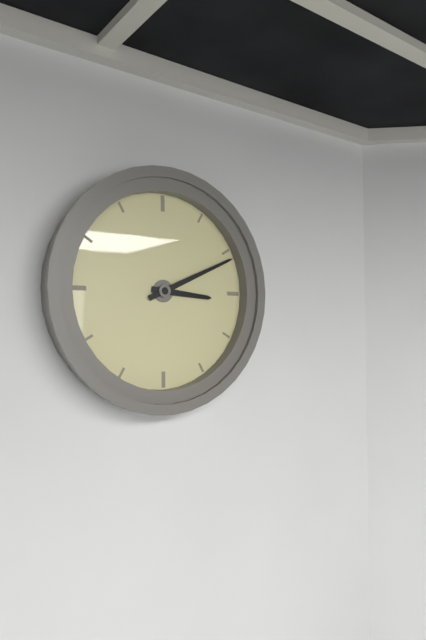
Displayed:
3.11
